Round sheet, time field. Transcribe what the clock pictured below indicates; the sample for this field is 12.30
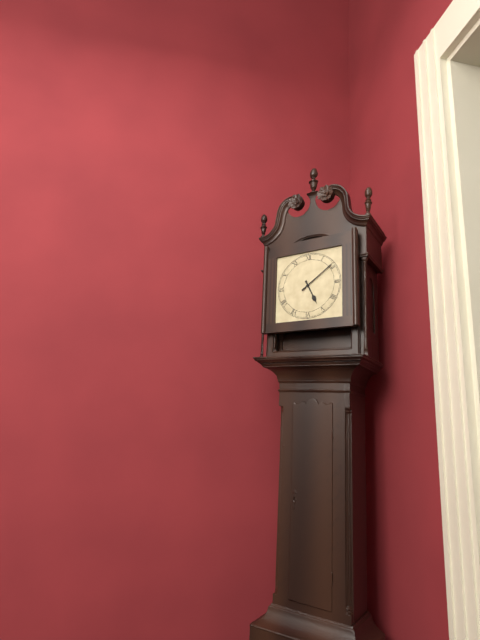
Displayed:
5.09
